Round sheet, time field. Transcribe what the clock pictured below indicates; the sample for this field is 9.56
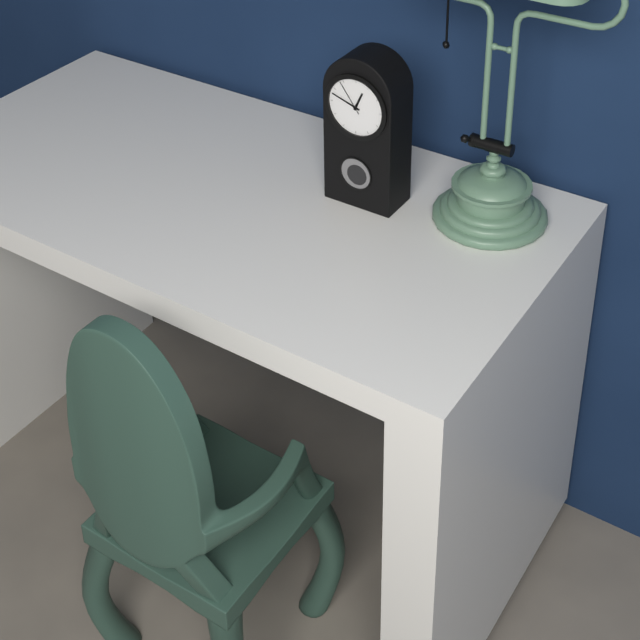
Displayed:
12.48
